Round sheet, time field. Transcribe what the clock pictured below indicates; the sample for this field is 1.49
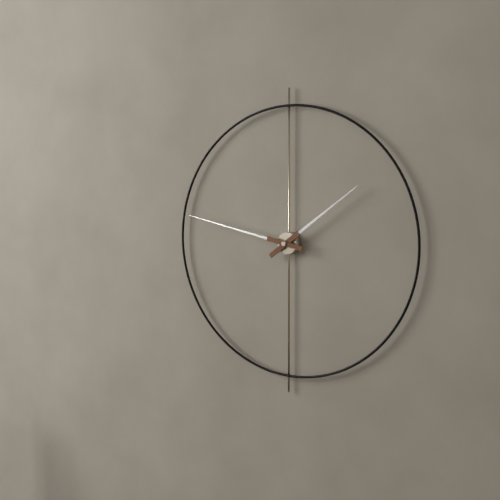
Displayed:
1.47
